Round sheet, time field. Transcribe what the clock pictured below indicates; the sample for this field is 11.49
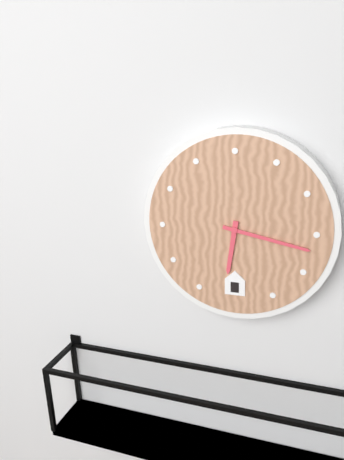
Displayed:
6.17
